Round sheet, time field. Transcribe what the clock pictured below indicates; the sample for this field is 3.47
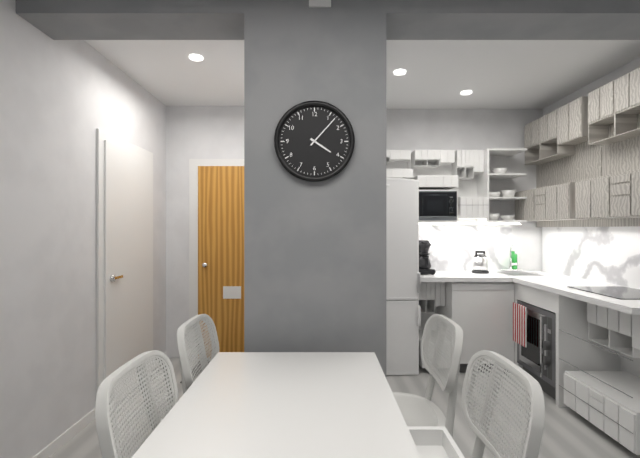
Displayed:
4.07
